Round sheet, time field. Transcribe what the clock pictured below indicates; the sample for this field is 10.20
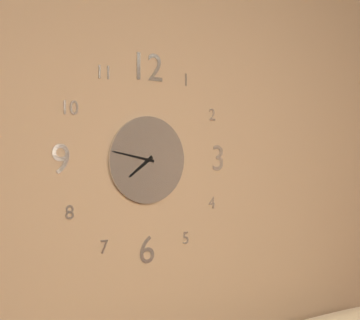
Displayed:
7.47
